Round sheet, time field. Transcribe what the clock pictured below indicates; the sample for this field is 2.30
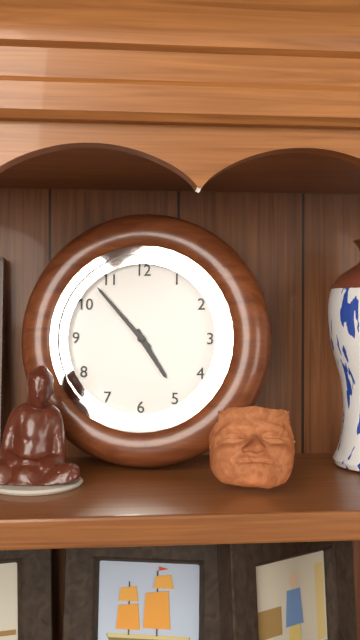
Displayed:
4.53
